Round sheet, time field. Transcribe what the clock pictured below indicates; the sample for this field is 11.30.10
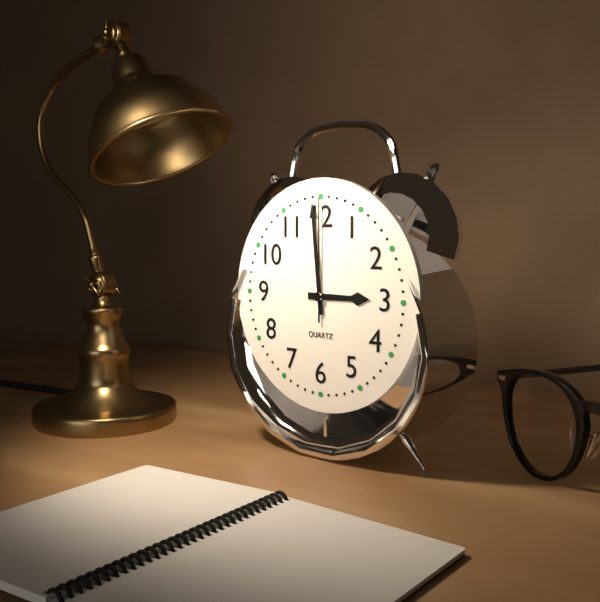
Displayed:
2.59.00
